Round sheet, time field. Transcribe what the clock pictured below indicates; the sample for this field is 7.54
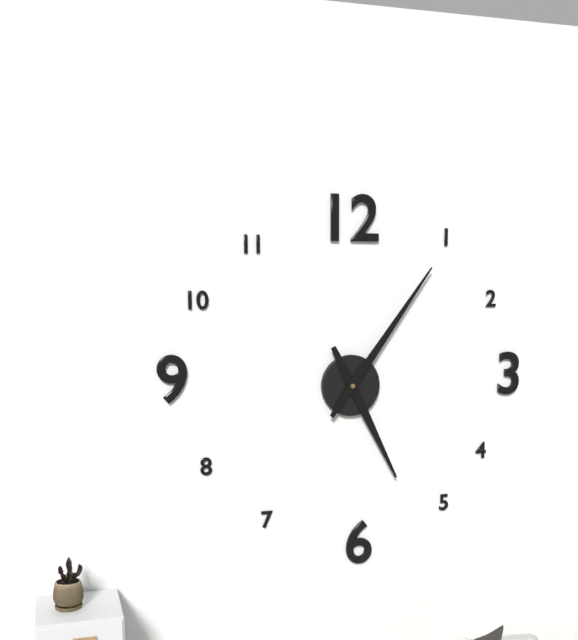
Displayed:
5.06
